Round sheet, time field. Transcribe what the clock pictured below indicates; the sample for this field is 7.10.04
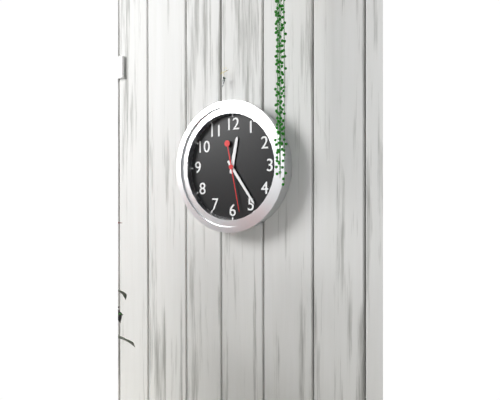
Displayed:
12.24.28
